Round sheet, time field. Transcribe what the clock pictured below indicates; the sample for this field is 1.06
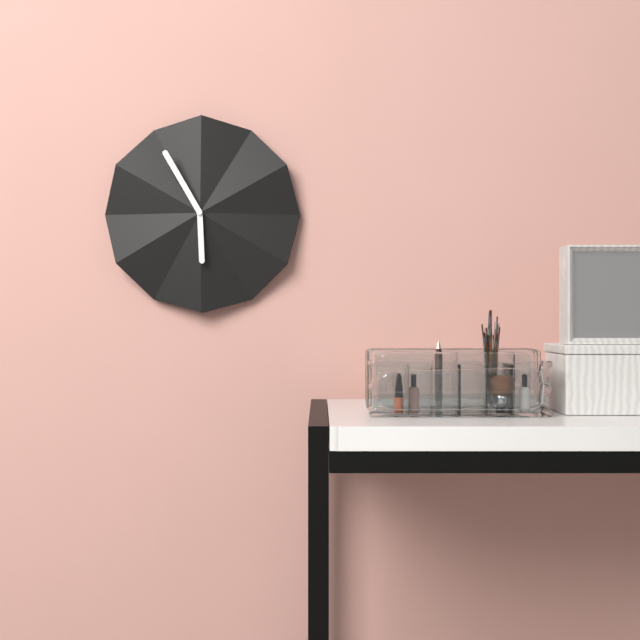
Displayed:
5.55
